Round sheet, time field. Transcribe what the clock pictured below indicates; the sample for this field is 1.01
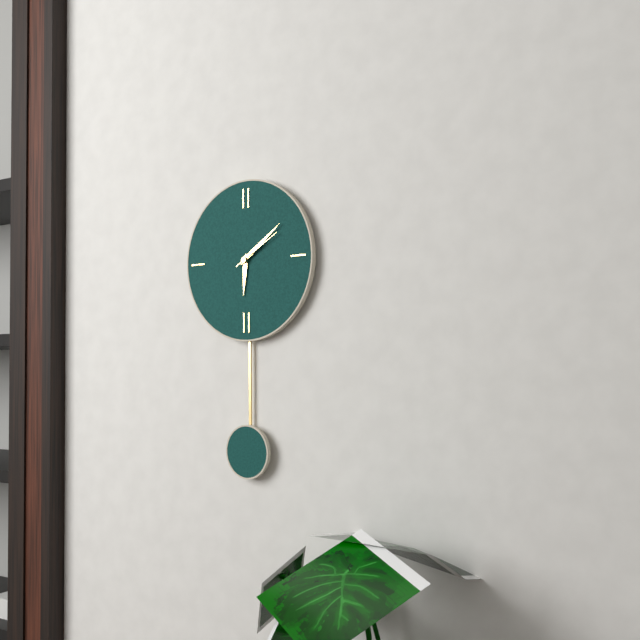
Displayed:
6.09
